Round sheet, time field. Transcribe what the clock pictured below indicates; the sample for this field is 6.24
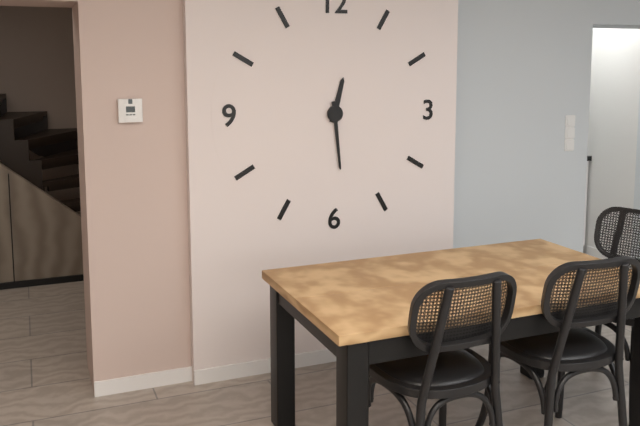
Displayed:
12.29
